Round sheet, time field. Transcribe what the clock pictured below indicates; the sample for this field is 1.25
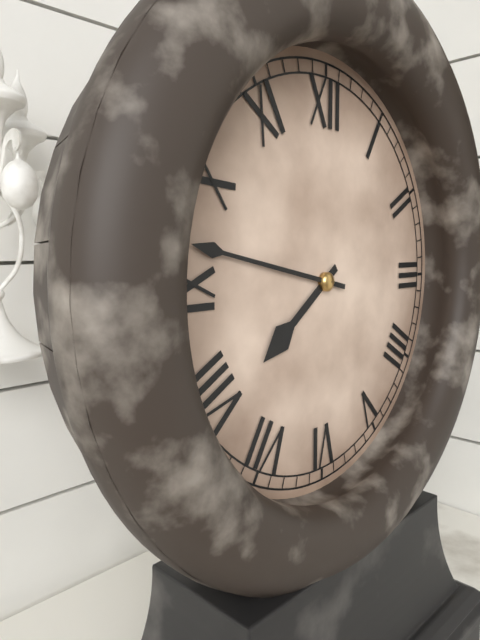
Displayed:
7.47
